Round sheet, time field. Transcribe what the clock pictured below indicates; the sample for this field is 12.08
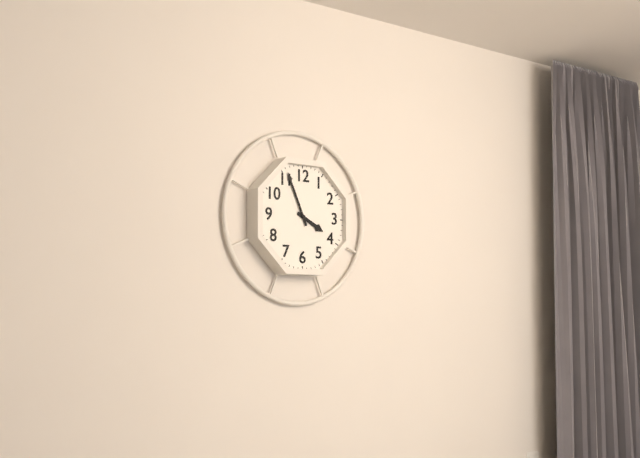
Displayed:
3.56
